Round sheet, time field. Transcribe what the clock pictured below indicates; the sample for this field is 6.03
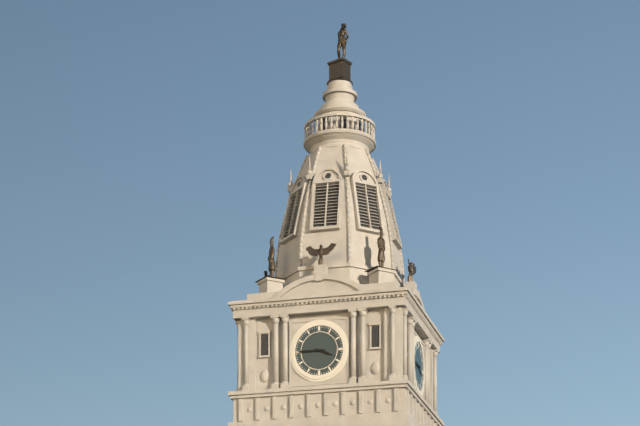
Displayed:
3.45
